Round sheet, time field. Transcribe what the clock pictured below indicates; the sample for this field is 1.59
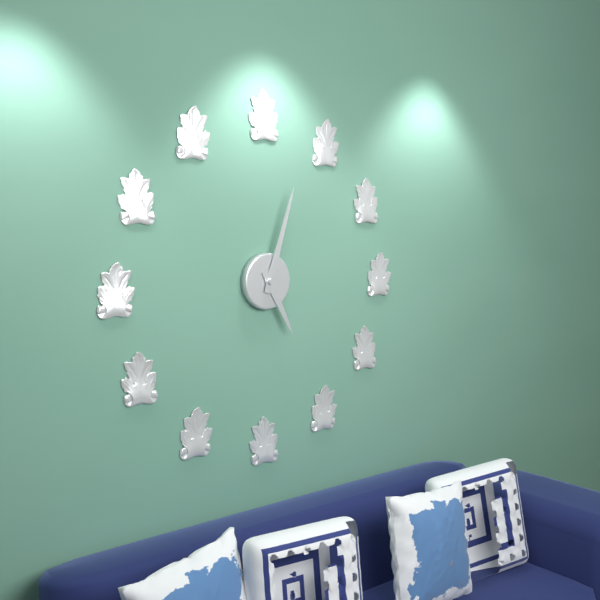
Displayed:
5.03
